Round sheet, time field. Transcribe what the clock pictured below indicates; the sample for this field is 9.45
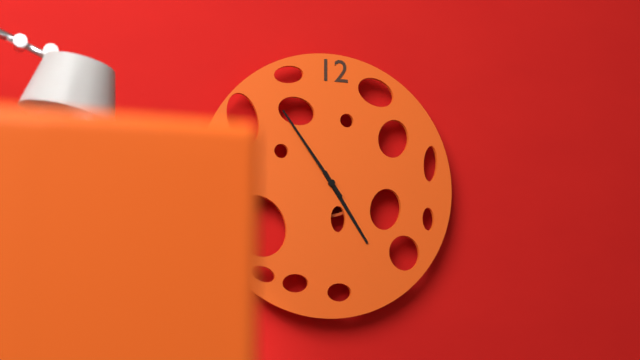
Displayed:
4.54
